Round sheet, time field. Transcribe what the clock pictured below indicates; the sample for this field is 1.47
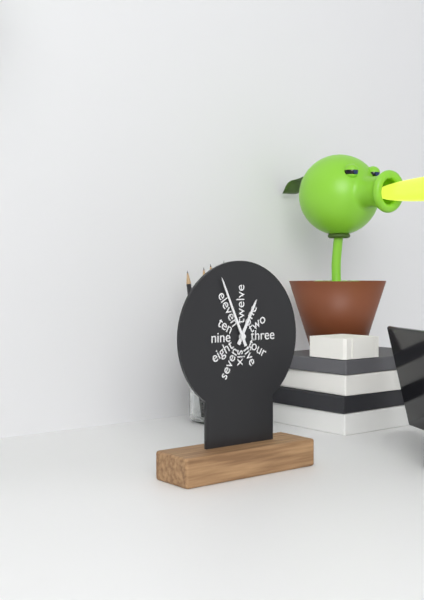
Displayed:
12.56
